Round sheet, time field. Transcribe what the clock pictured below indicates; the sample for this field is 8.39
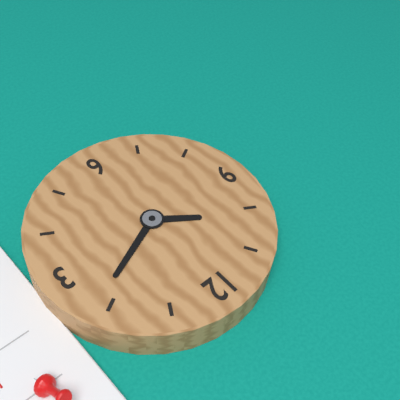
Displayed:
10.11
